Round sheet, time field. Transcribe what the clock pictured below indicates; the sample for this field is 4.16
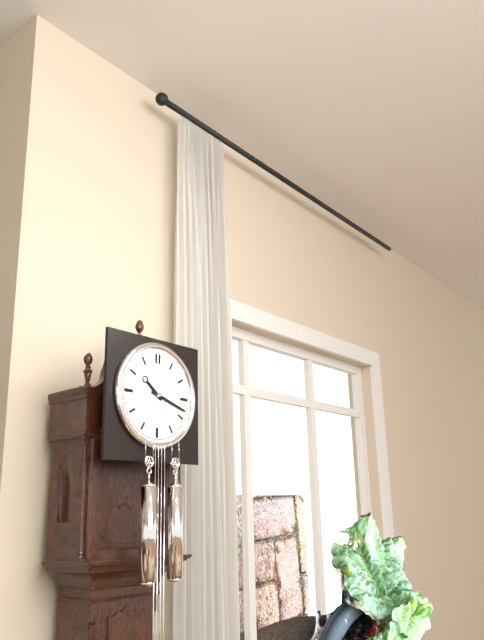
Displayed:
10.18
